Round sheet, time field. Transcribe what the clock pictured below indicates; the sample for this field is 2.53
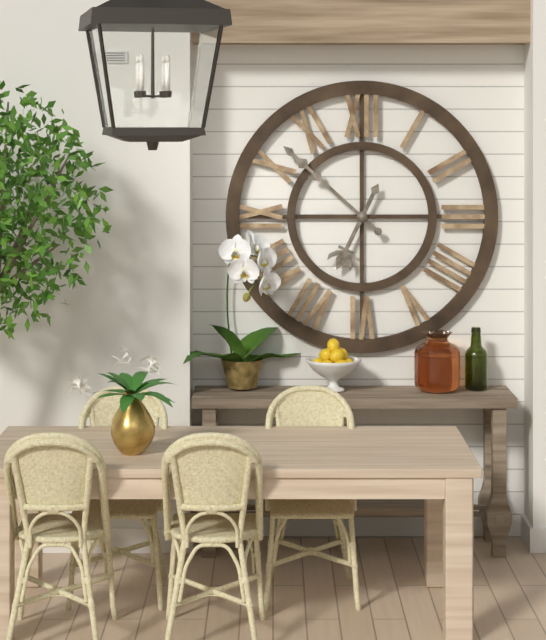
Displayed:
6.52
